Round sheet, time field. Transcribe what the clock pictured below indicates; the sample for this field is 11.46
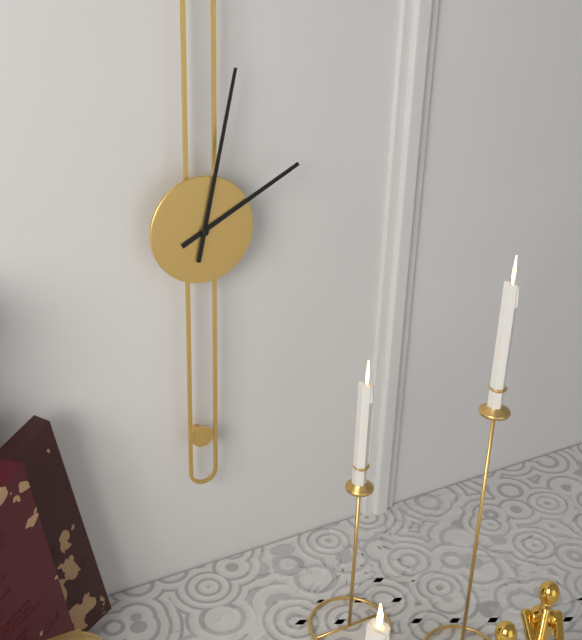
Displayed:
2.02
